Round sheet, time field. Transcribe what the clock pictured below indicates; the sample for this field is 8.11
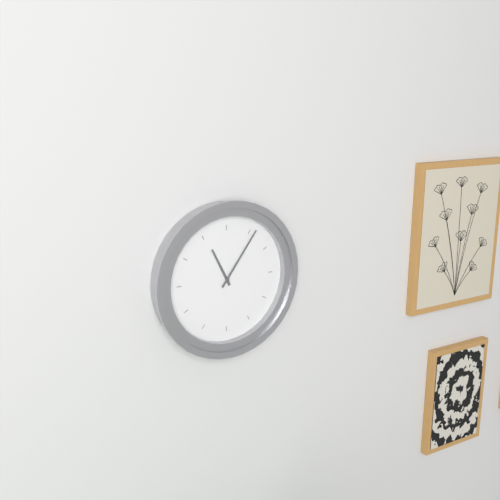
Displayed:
11.06
